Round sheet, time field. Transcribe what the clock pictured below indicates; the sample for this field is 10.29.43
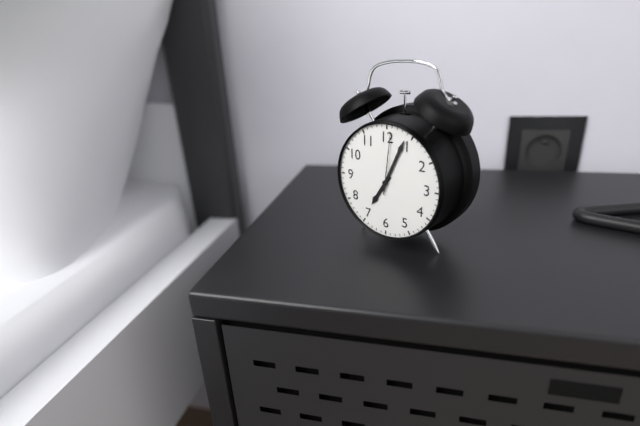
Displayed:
7.04.01
